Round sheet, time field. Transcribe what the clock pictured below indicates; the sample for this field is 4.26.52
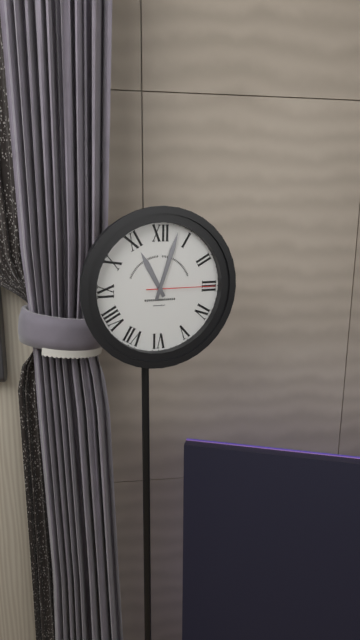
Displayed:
11.03.15
